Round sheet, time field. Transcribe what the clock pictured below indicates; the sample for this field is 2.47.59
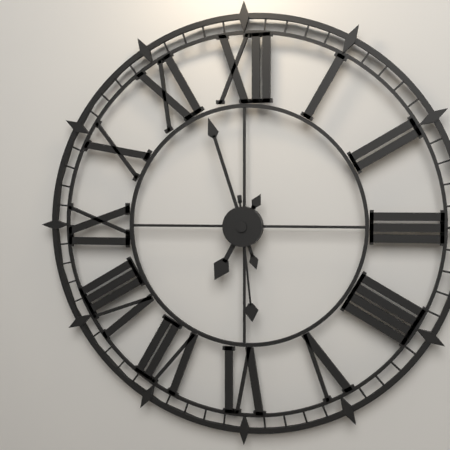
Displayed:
6.57.29
